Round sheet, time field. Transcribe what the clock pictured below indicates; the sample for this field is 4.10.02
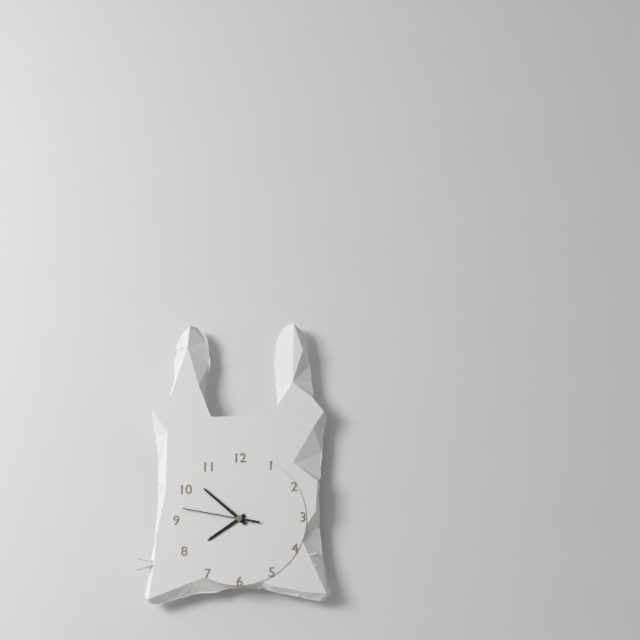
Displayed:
7.52.47
